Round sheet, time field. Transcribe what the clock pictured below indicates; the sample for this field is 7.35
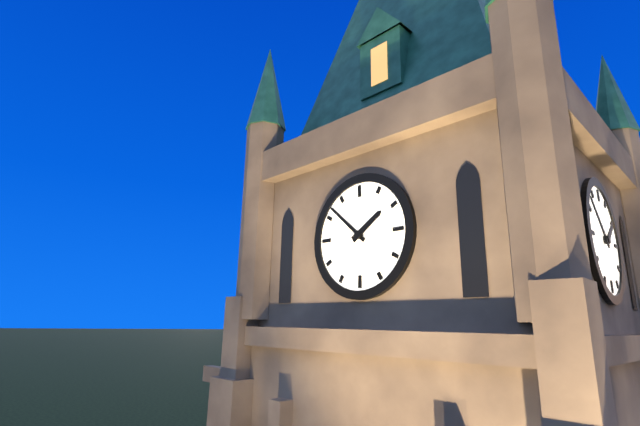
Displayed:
1.52
